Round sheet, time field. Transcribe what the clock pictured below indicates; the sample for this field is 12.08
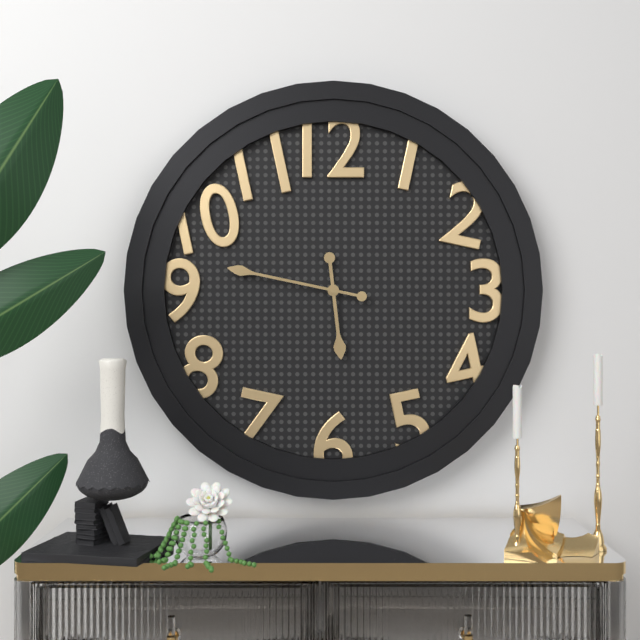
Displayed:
5.47
